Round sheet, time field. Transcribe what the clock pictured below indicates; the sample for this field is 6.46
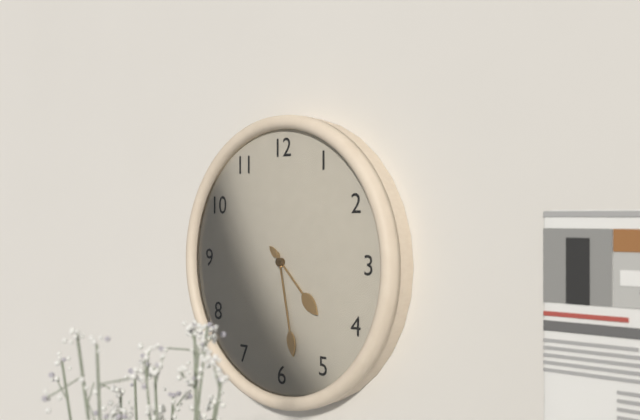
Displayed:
4.28
